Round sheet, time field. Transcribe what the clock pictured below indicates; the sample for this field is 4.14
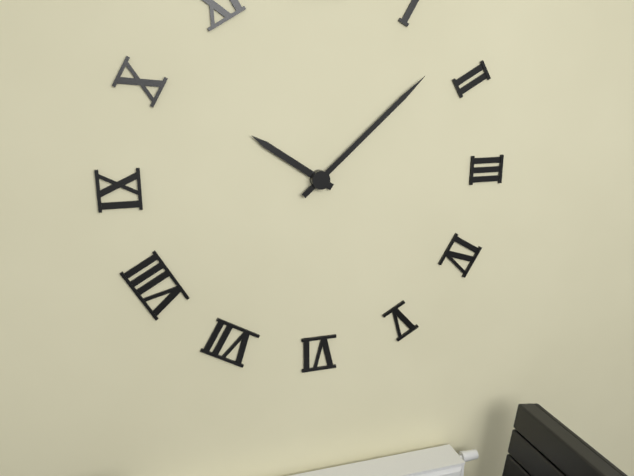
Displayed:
10.08
